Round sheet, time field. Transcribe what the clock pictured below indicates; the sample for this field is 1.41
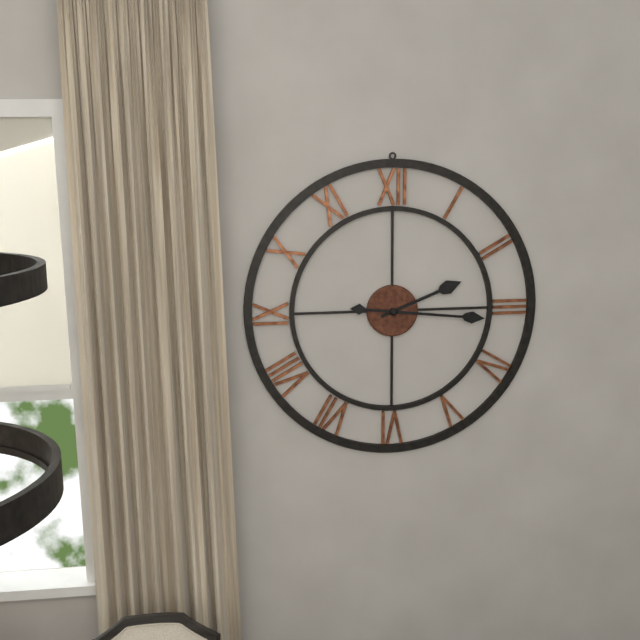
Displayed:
2.16
